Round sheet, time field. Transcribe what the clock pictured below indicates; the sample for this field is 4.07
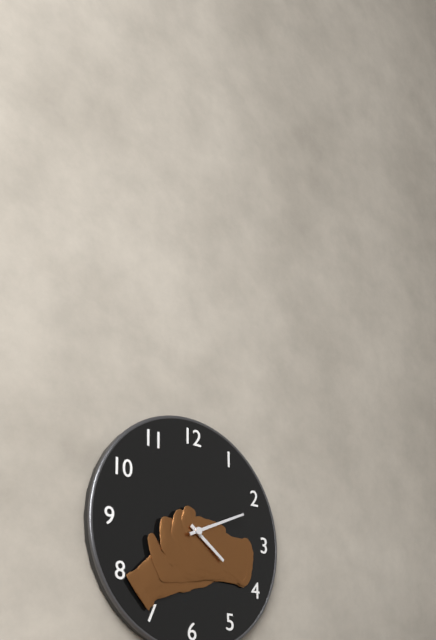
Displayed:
4.11
